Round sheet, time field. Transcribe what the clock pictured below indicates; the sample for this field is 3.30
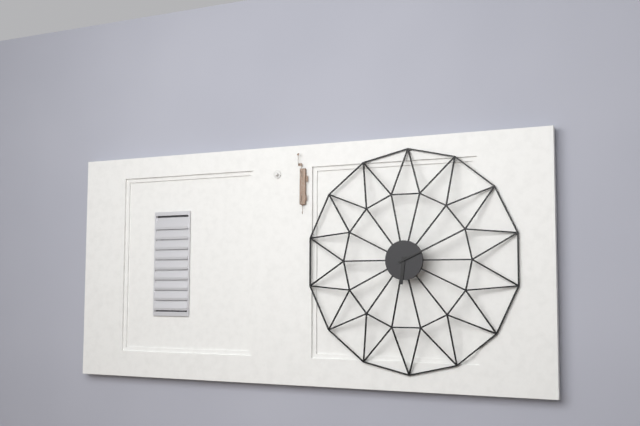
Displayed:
6.11
